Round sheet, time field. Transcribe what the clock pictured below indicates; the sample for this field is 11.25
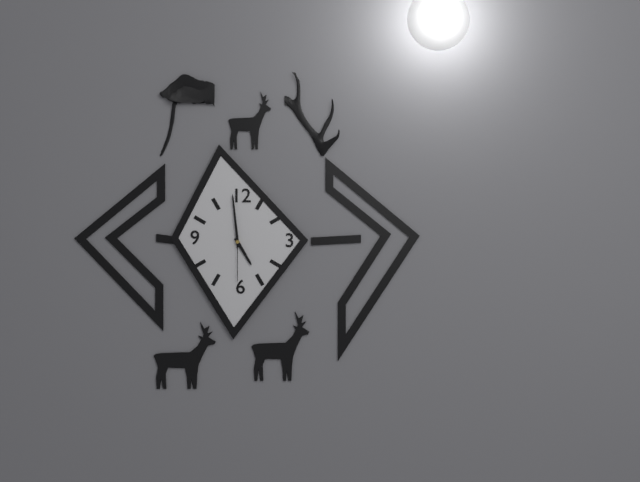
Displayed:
4.59
